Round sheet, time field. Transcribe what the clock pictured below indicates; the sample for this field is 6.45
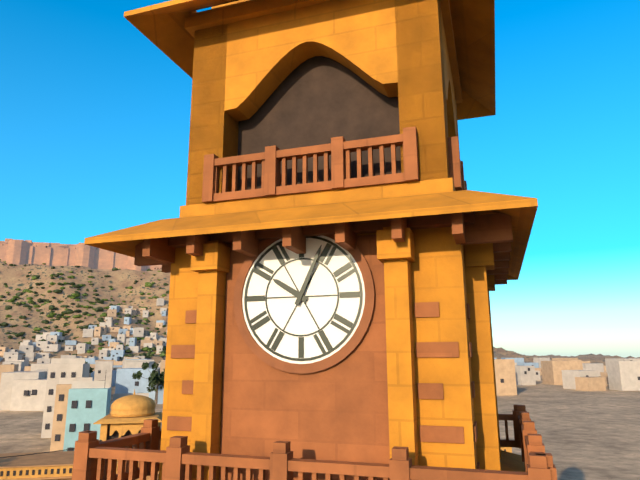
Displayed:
10.04
